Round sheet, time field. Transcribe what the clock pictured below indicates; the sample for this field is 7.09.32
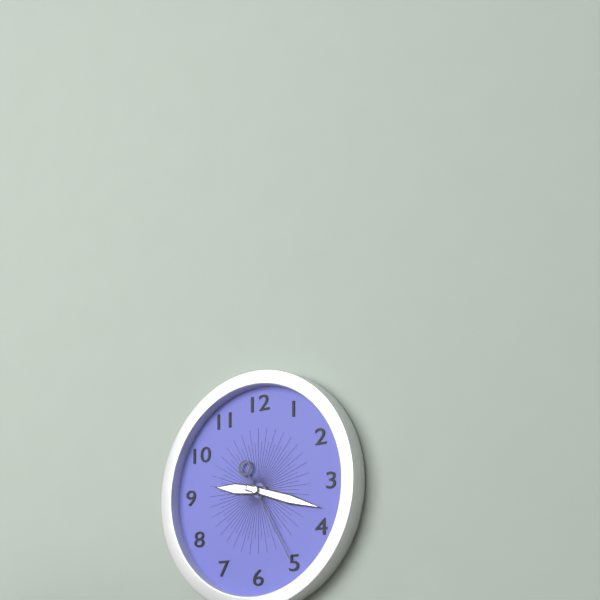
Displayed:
9.18.25
